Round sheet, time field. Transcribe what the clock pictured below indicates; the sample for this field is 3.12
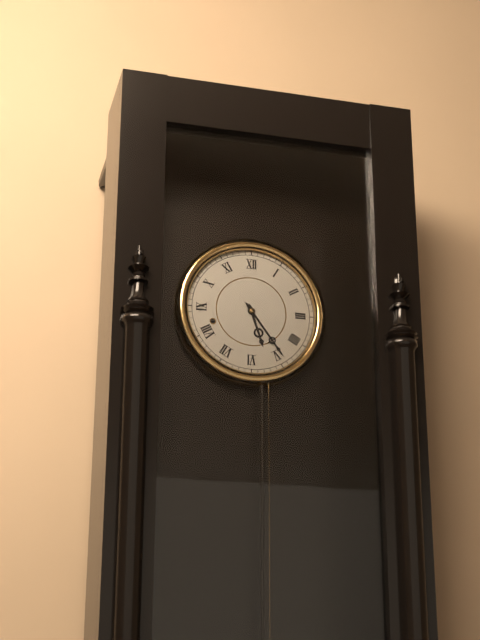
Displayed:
5.24
